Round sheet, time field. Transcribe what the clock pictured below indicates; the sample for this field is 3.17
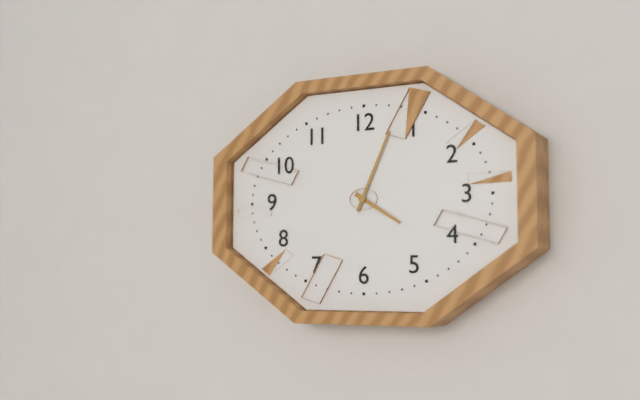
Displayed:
4.04
